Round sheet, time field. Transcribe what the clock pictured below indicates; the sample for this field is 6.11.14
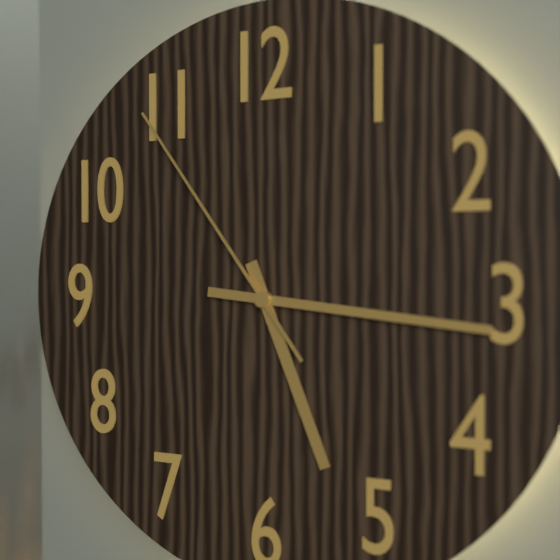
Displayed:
5.16.54
